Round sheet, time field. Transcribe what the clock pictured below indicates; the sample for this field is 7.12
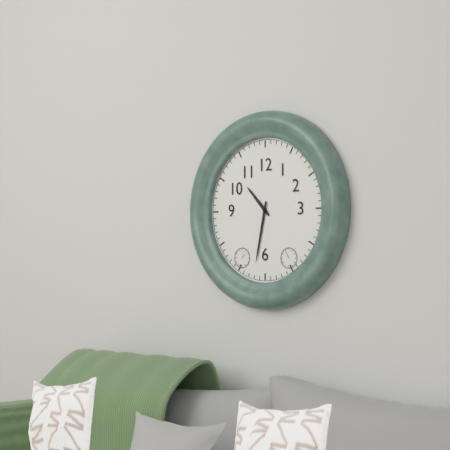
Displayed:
10.32
